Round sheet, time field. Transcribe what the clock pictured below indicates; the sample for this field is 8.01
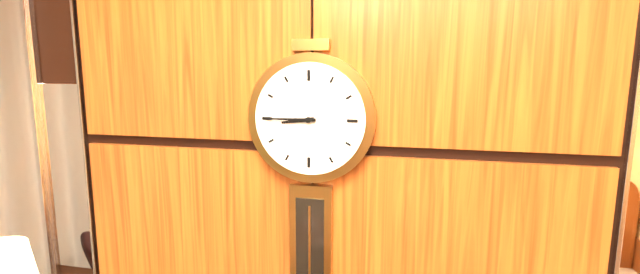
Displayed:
8.45
